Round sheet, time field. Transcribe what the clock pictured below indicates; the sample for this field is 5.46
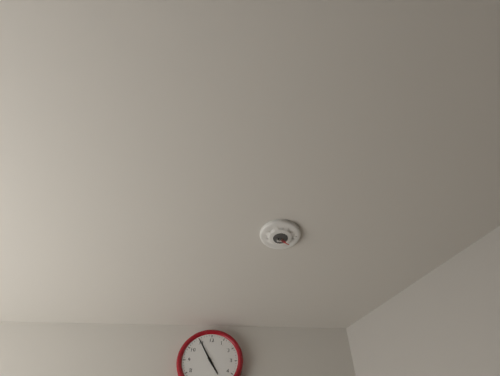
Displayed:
4.55
